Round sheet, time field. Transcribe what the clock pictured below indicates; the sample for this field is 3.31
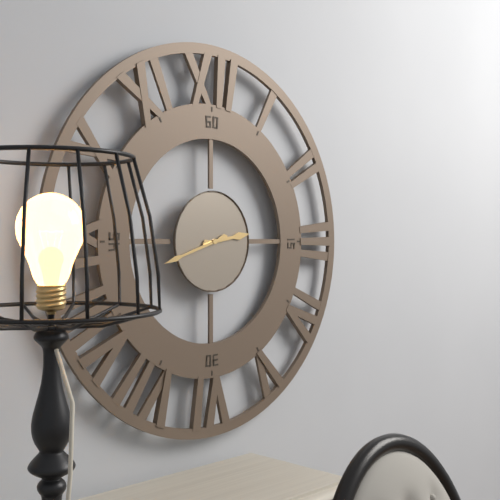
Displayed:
2.42
